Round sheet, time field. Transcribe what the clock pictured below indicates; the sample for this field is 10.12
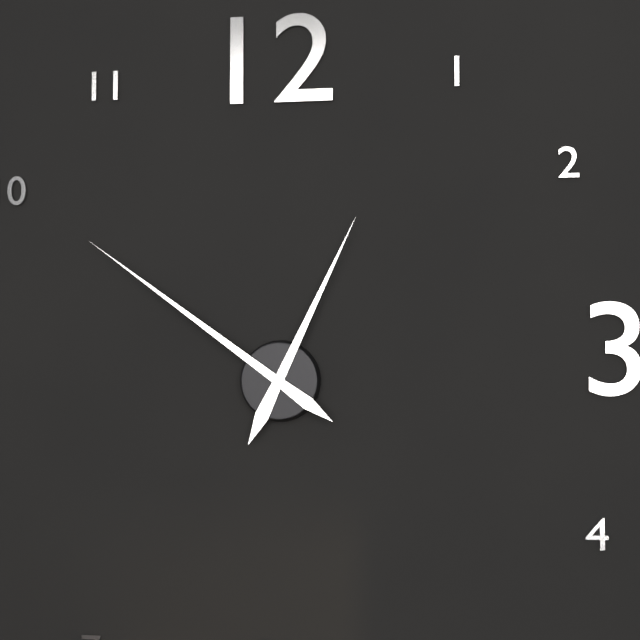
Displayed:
12.51
